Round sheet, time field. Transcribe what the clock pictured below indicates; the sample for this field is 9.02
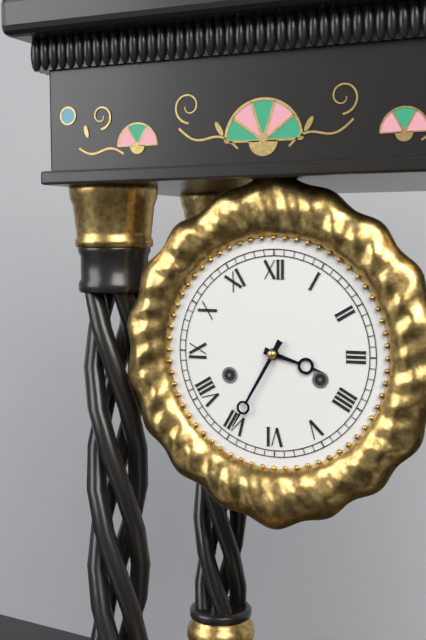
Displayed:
3.35
